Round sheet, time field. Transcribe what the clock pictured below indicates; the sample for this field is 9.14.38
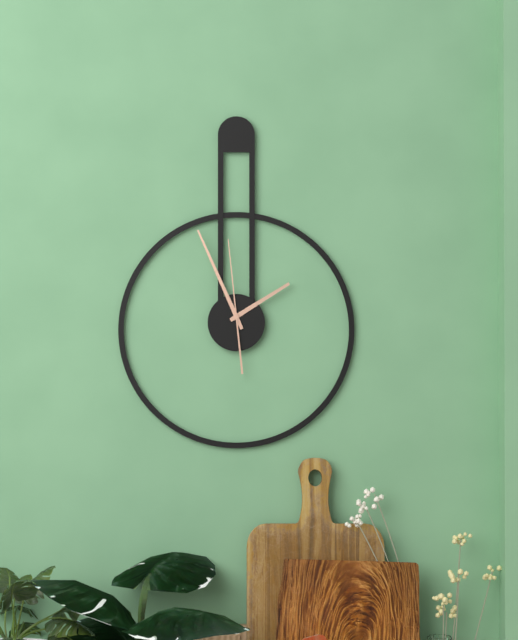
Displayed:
1.56.59
